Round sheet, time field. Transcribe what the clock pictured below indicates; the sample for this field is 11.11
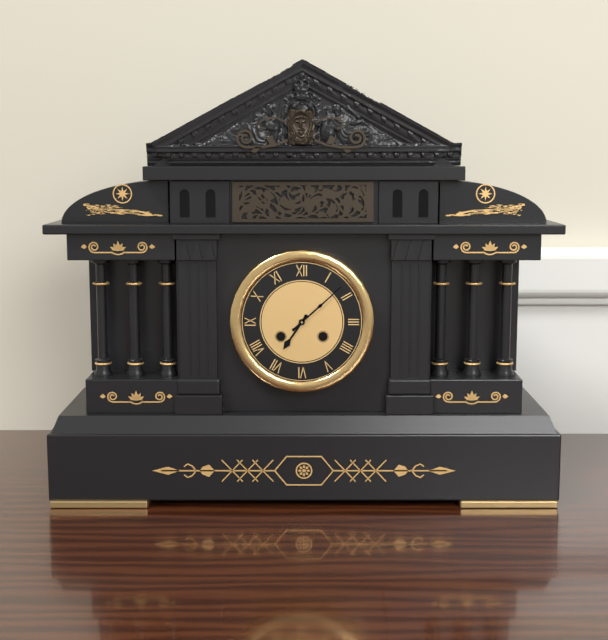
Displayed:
7.08
